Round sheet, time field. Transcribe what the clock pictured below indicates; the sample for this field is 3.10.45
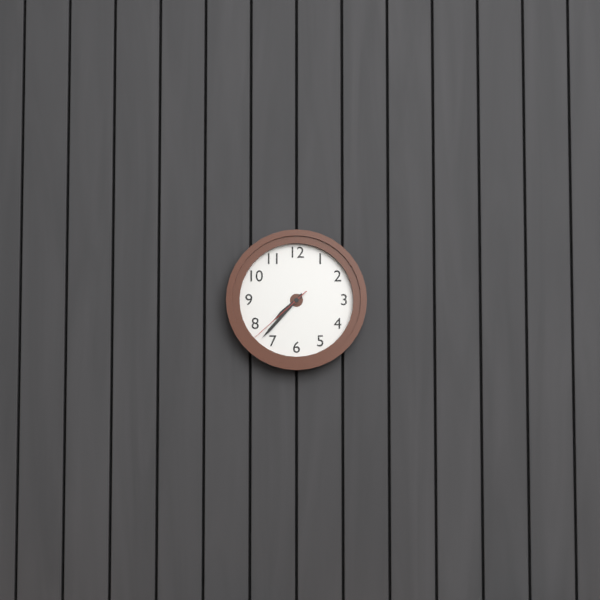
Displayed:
7.37.38
